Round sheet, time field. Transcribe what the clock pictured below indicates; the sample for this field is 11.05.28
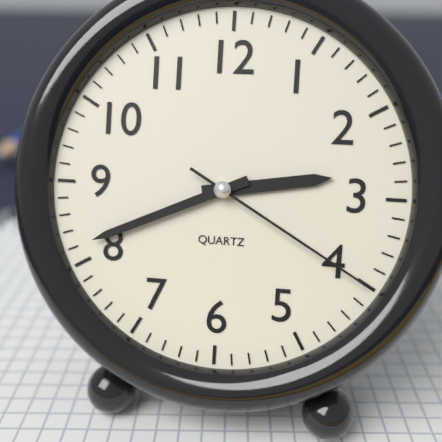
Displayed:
2.41.20
